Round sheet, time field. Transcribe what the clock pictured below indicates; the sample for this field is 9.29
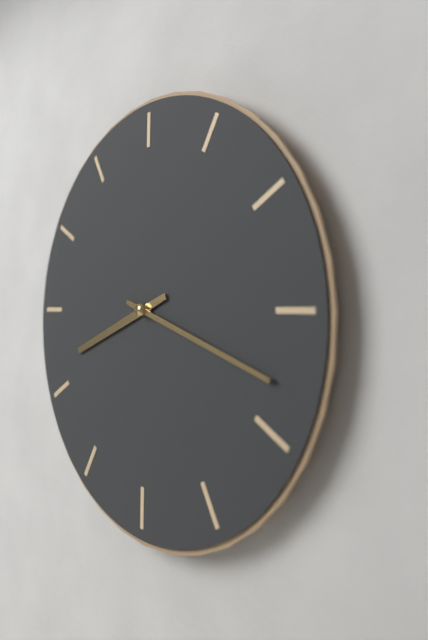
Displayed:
8.18
